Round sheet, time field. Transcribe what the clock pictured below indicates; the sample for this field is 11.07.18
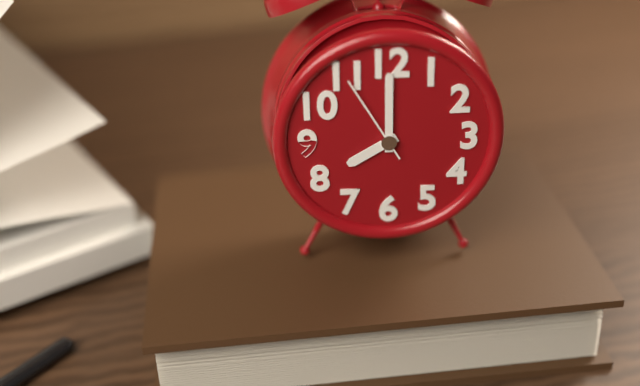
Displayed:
8.00.55
